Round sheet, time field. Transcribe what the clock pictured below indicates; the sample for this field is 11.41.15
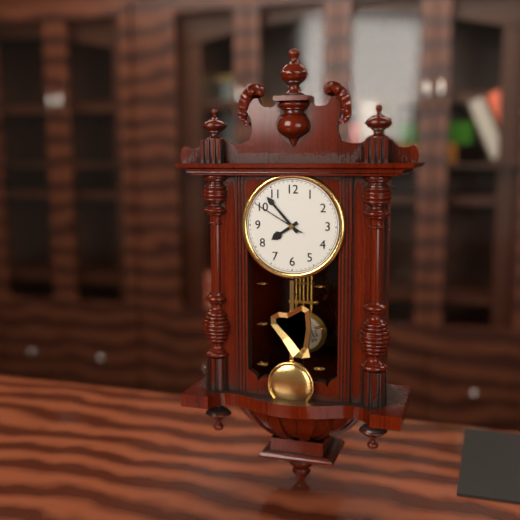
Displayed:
7.53.50
